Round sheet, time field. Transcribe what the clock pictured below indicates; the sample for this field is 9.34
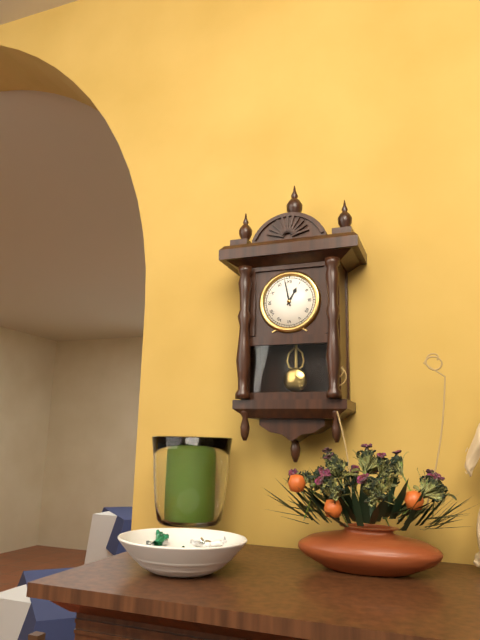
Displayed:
12.58
